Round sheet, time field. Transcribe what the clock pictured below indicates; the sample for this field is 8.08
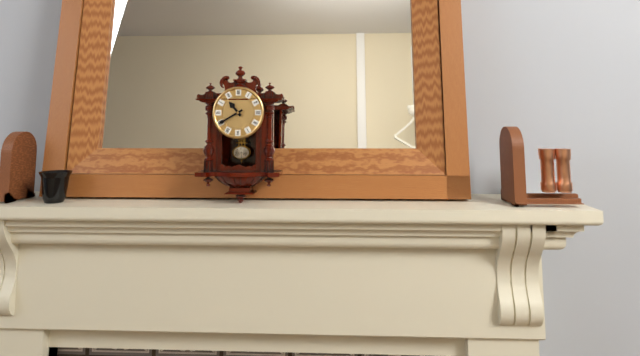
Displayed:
10.40
